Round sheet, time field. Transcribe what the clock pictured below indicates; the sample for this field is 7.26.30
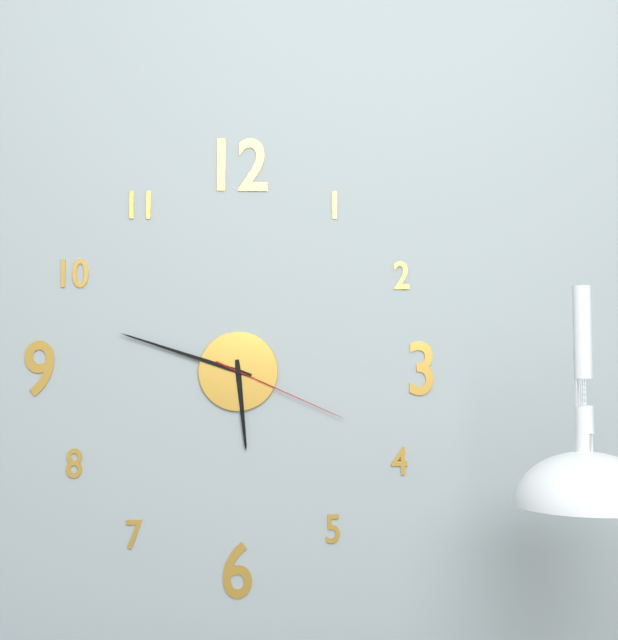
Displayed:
5.48.19
